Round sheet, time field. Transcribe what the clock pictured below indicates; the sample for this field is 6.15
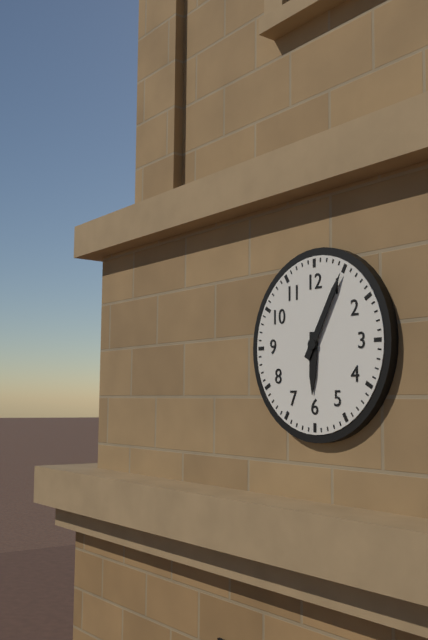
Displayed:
6.05
